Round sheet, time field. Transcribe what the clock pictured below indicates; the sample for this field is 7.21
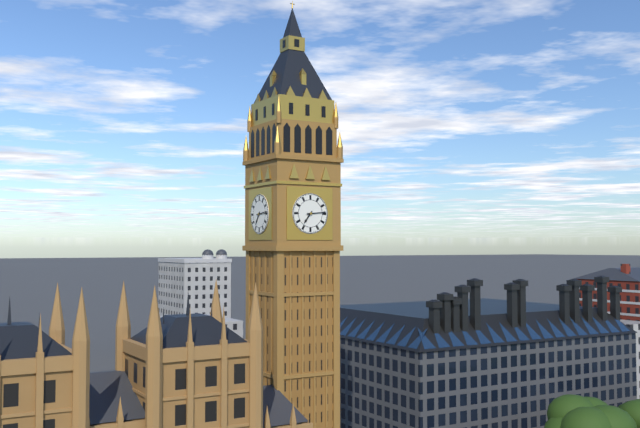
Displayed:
7.14
